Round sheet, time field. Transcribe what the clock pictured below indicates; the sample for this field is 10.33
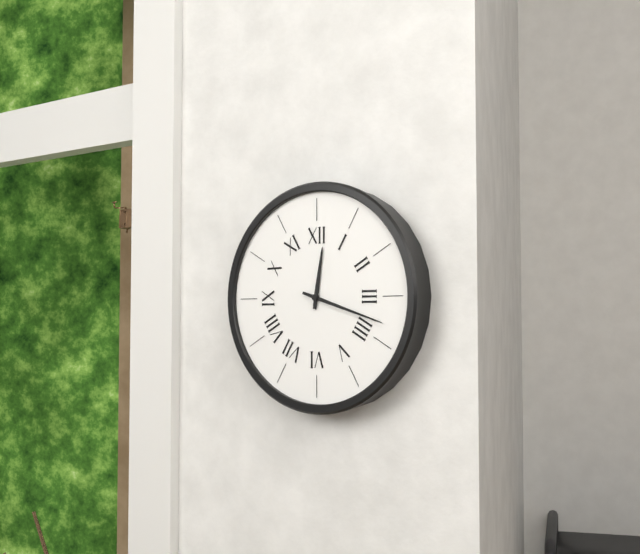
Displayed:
12.18
